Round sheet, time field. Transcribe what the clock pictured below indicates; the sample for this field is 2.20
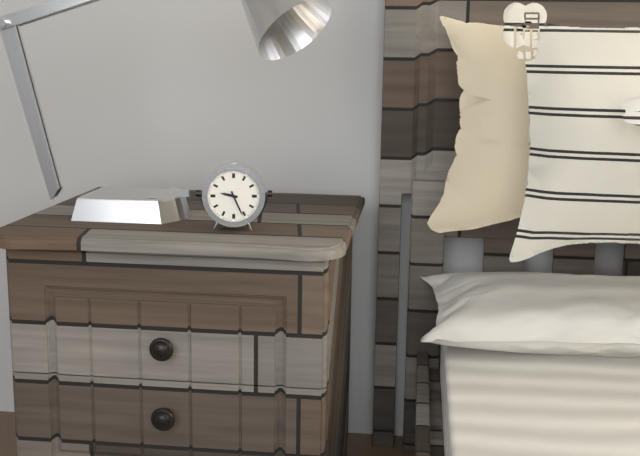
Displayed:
9.26
